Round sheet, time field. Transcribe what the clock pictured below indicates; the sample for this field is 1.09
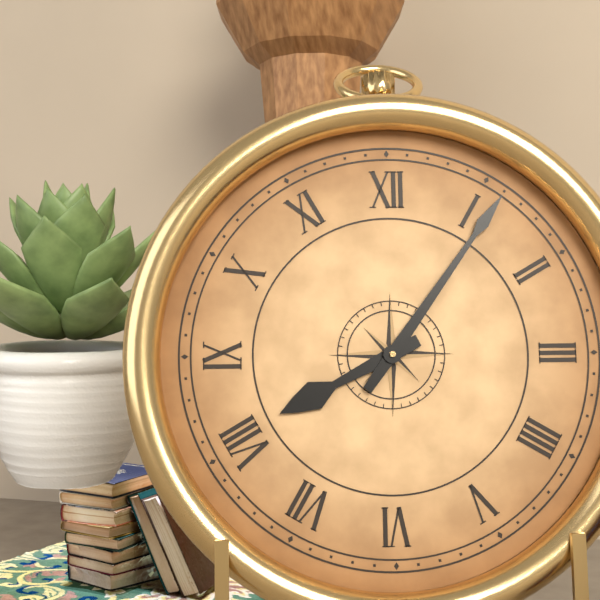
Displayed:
8.06
